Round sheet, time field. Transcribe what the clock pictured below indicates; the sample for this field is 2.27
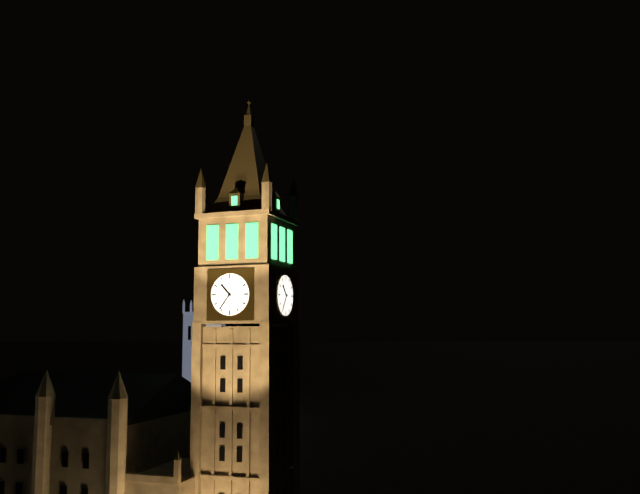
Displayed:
10.36
